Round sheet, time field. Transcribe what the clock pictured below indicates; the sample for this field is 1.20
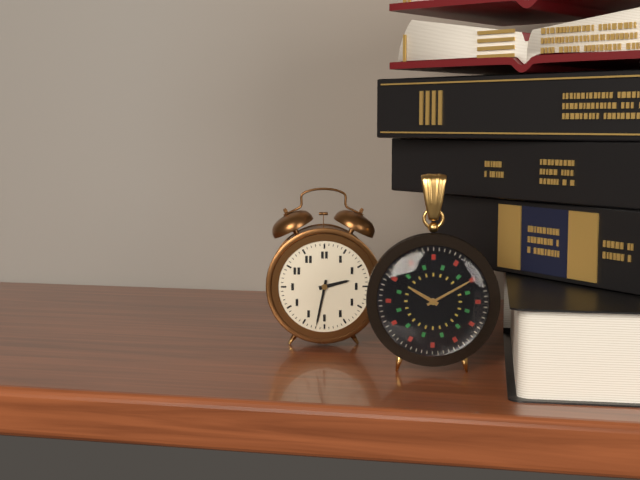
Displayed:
2.32
